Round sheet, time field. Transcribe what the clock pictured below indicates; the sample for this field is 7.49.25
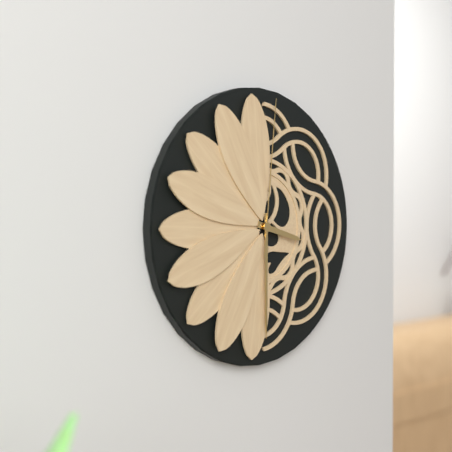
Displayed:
3.30.01
